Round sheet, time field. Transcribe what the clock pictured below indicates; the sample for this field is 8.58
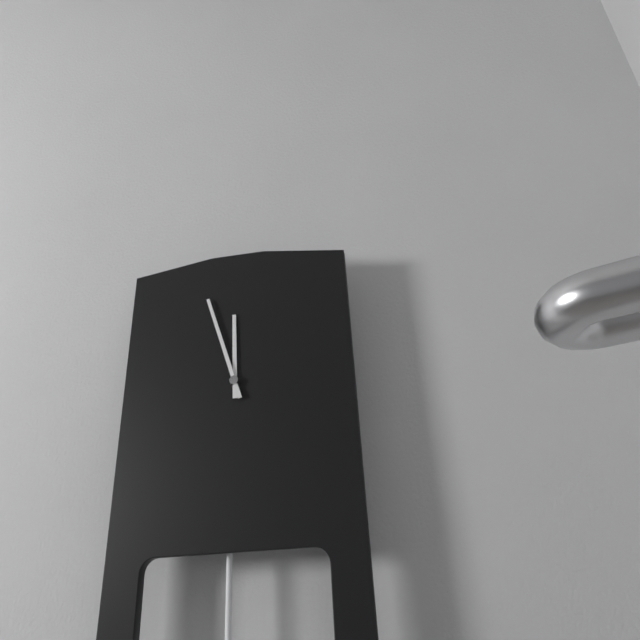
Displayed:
11.57
